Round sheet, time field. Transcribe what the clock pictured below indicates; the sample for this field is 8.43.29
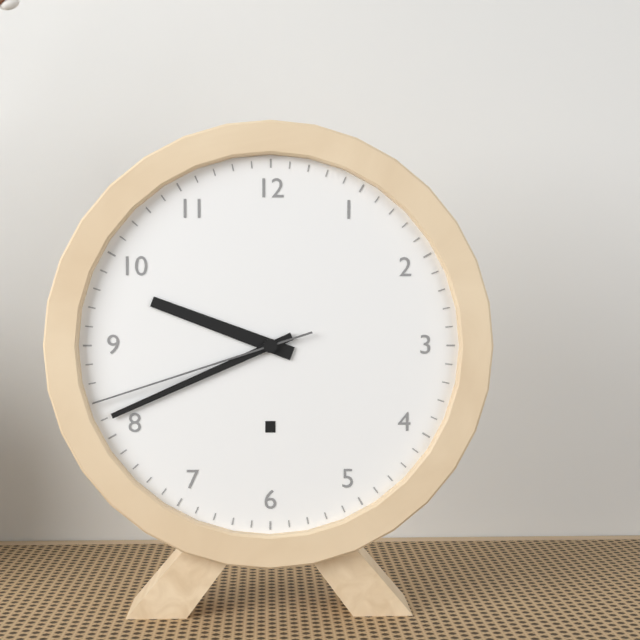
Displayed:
9.41.42
